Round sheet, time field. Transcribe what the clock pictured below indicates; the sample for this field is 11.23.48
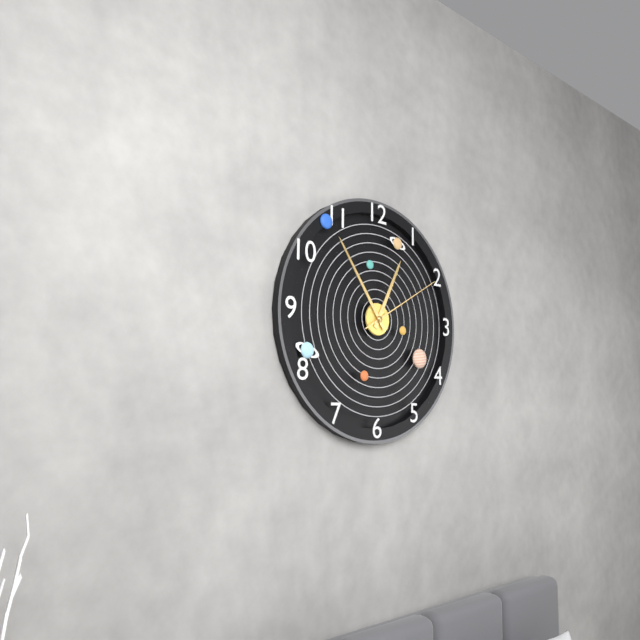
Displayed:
12.54.10
